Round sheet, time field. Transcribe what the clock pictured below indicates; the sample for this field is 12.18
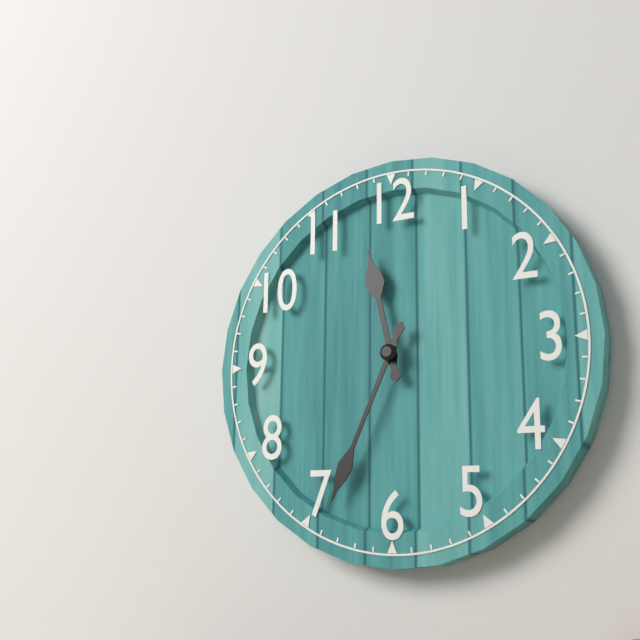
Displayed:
11.34
